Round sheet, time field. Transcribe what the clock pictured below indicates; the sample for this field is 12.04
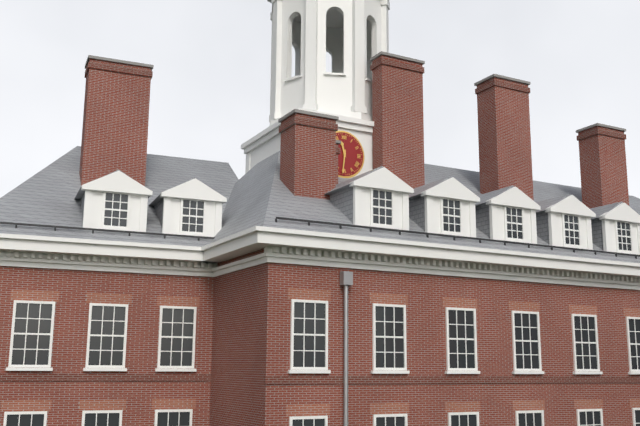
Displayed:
11.31
